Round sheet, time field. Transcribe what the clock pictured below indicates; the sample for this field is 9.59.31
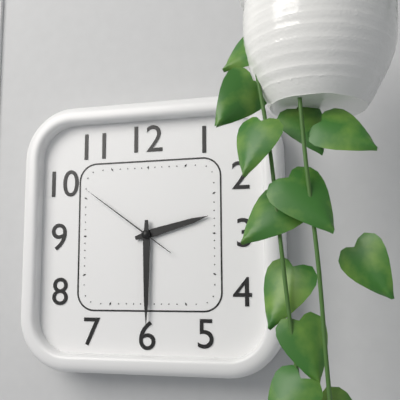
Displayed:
2.30.51
